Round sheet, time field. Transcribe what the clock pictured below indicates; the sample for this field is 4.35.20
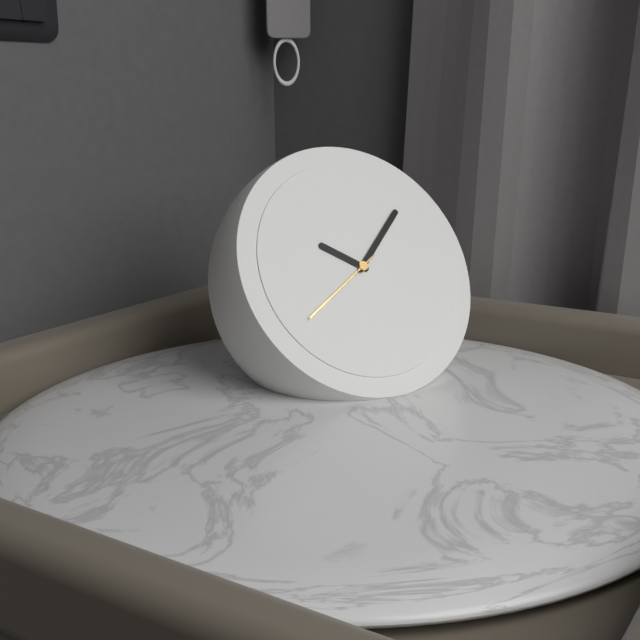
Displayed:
10.08.40
